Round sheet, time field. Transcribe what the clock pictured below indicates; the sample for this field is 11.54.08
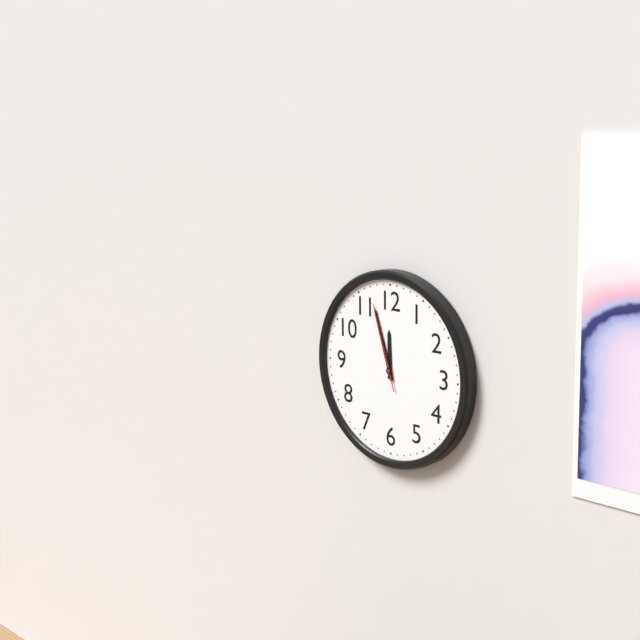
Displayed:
11.57.57
